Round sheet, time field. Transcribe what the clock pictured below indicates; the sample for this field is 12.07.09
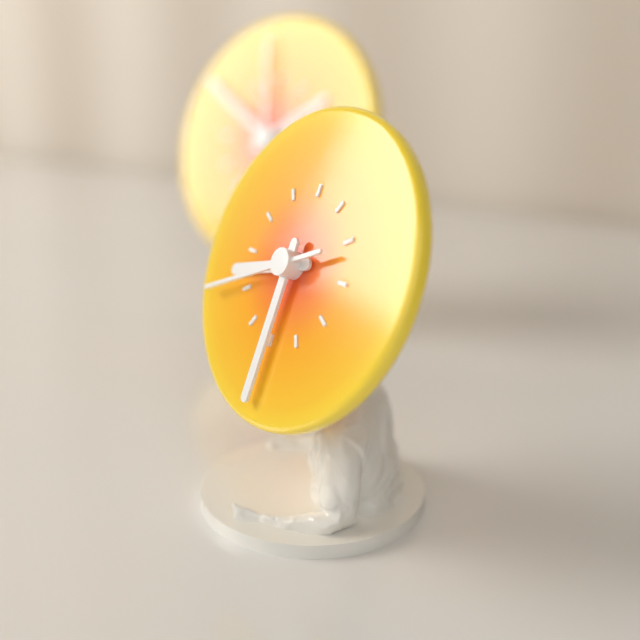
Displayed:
8.30.41
